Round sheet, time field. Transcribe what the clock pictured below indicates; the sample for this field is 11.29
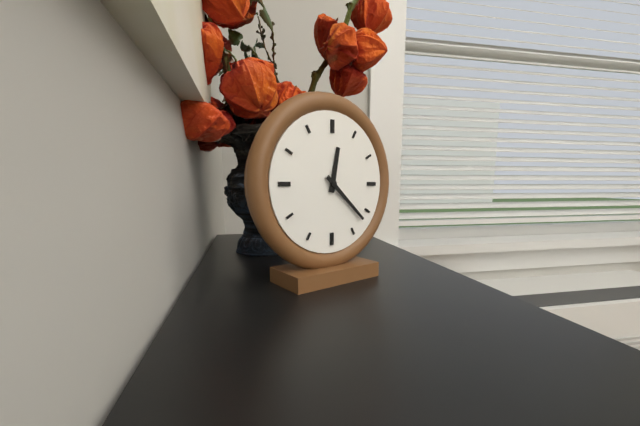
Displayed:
12.22
